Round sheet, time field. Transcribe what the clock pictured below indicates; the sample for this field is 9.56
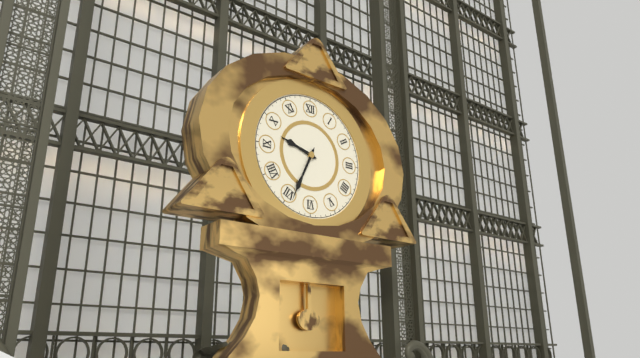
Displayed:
9.34
